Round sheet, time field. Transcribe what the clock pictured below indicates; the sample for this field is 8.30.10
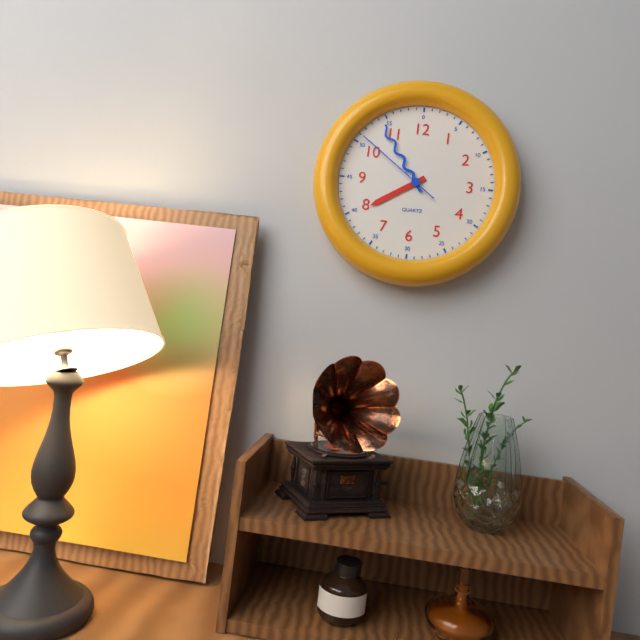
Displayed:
7.54.51
